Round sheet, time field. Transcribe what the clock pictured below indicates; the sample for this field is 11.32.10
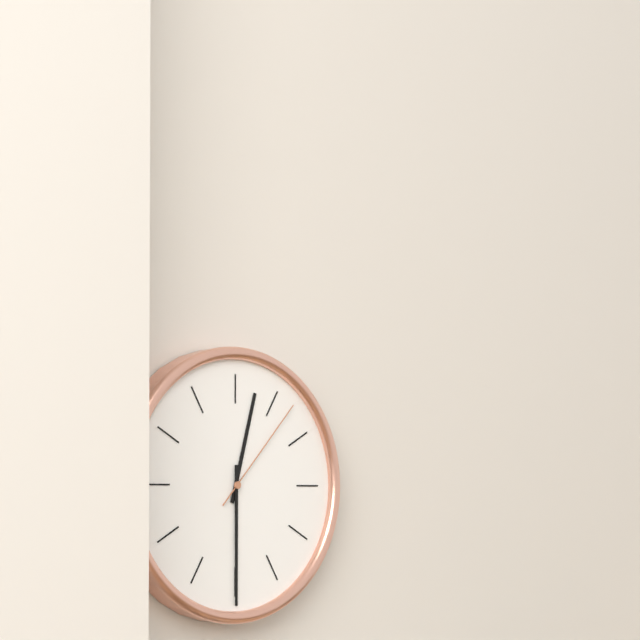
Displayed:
12.30.07
